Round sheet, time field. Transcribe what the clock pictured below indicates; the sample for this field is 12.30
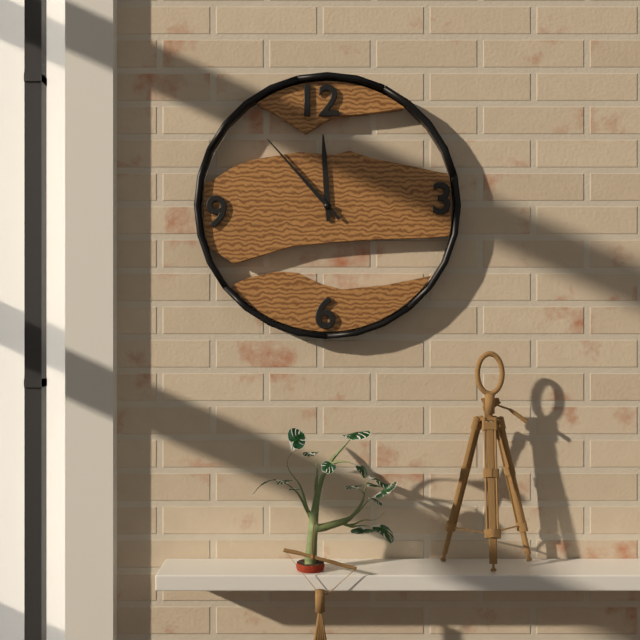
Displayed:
11.53
